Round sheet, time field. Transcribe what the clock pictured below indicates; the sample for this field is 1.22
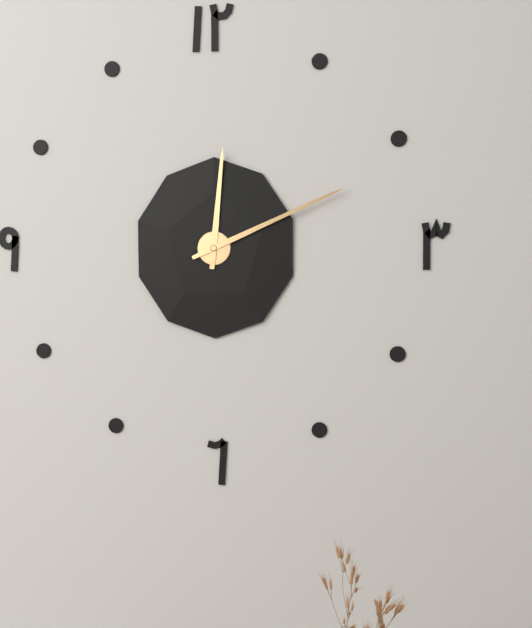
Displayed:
12.11
